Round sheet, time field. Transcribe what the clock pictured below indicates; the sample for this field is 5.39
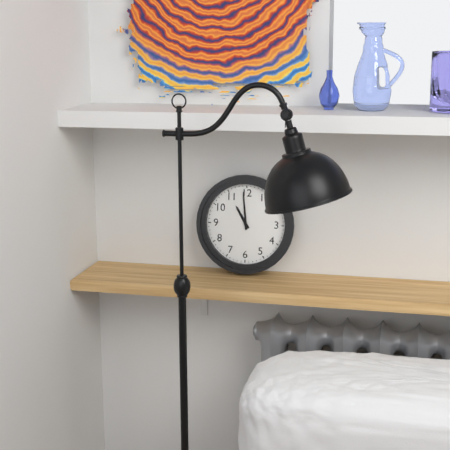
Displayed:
10.59
